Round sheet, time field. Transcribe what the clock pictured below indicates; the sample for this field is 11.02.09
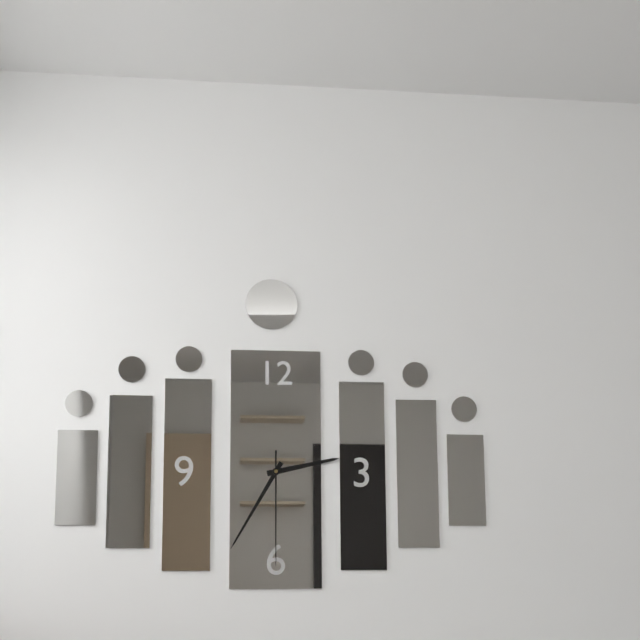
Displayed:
2.35.30
